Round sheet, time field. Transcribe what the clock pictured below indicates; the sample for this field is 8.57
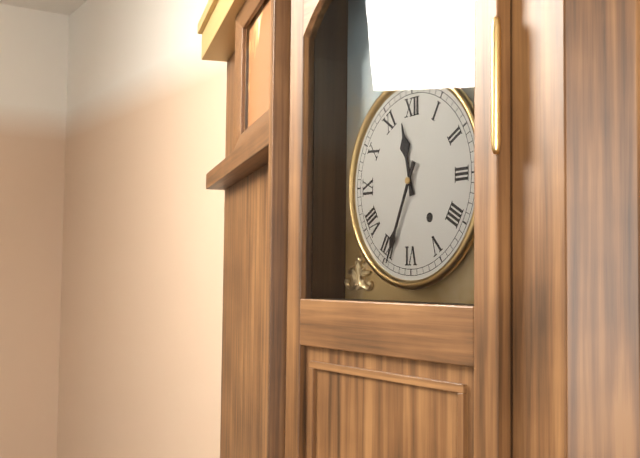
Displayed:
11.34
